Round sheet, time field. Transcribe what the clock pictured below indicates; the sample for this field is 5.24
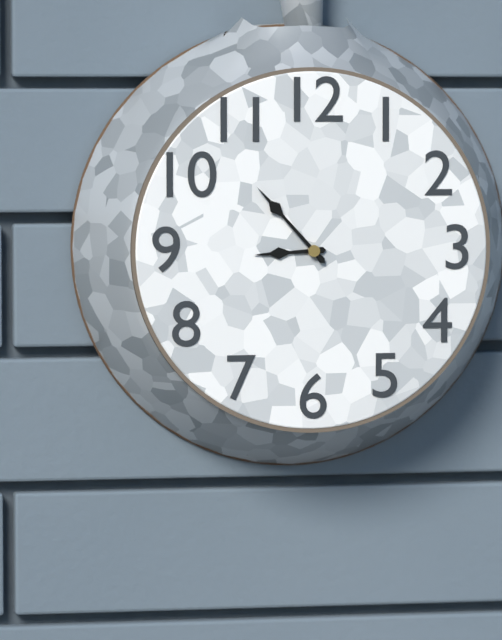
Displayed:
8.53
